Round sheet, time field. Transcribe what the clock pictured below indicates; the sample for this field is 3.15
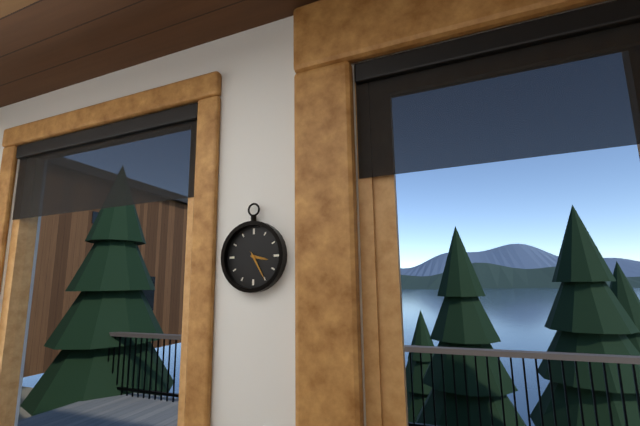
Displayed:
3.25
